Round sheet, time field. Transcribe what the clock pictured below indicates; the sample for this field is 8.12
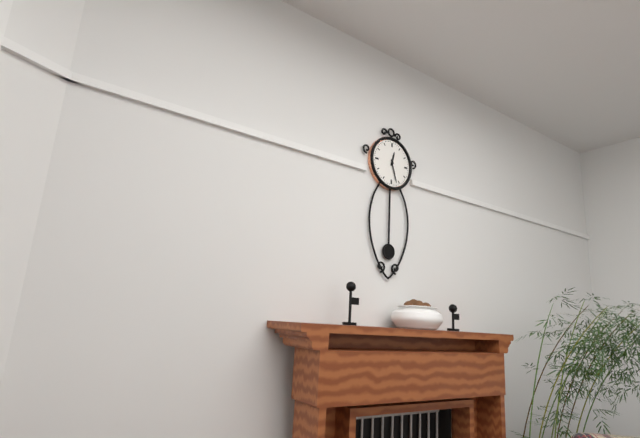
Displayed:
12.27
